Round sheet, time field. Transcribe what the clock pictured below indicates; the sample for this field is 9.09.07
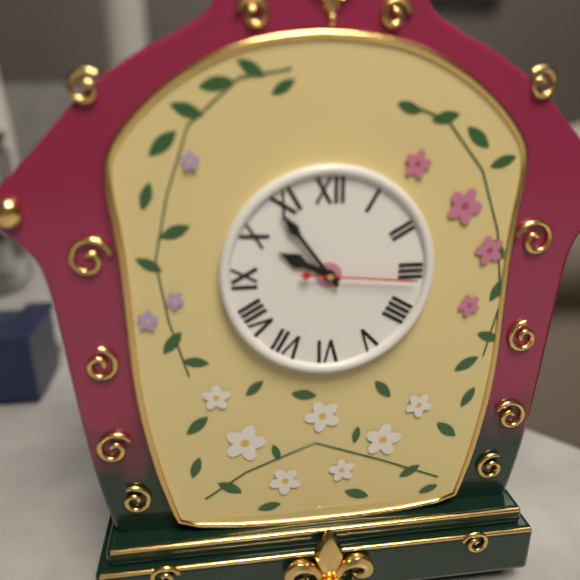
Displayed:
9.54.16
